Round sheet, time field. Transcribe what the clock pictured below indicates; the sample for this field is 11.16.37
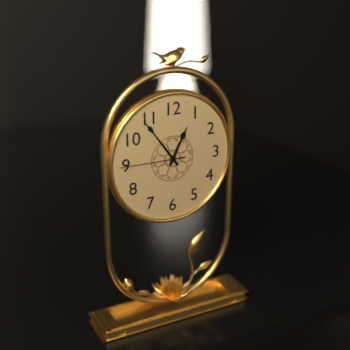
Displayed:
12.54.45
